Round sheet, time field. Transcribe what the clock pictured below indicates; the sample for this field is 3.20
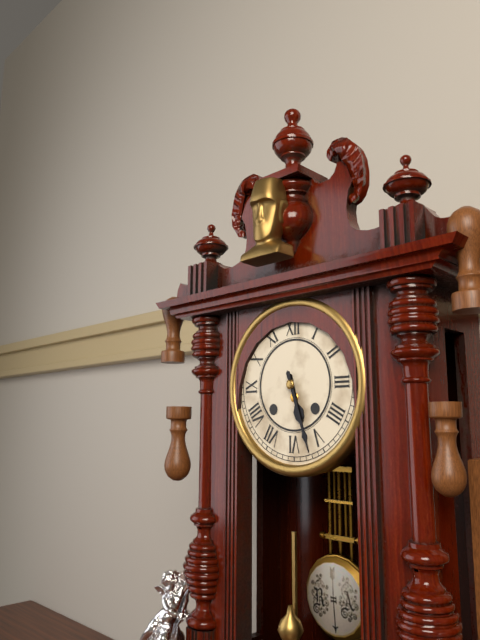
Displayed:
5.27
